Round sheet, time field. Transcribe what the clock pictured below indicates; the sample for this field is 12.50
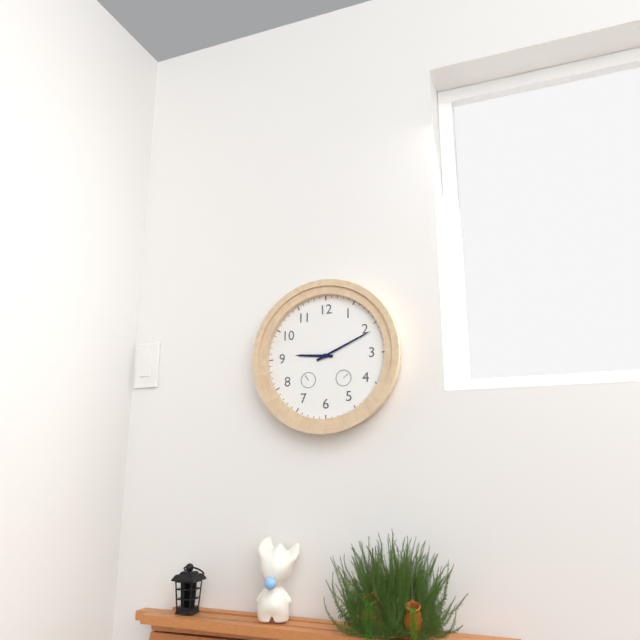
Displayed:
9.11
